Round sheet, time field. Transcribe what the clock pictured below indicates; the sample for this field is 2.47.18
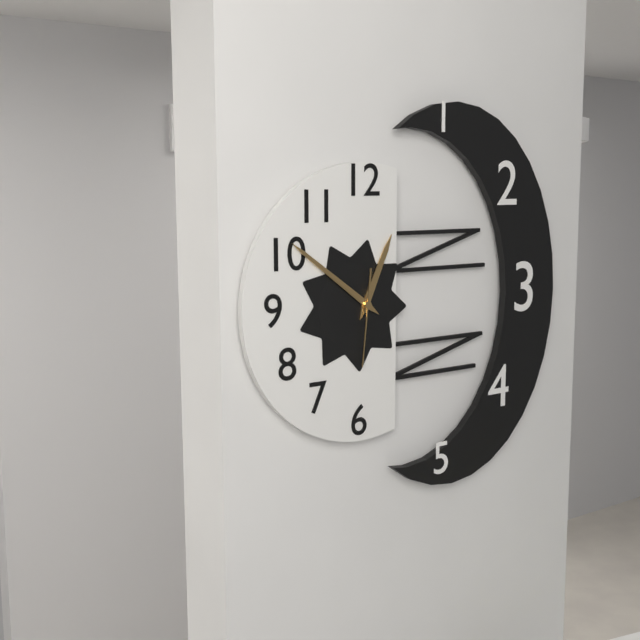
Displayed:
12.51.31
